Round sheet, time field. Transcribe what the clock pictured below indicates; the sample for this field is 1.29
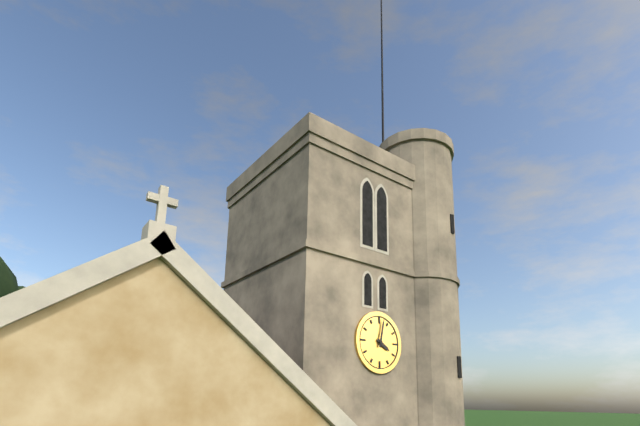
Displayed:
4.02
